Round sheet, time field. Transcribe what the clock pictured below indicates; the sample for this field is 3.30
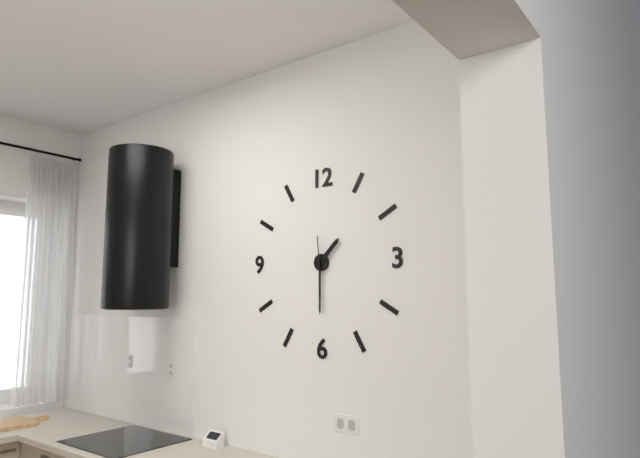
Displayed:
1.30
